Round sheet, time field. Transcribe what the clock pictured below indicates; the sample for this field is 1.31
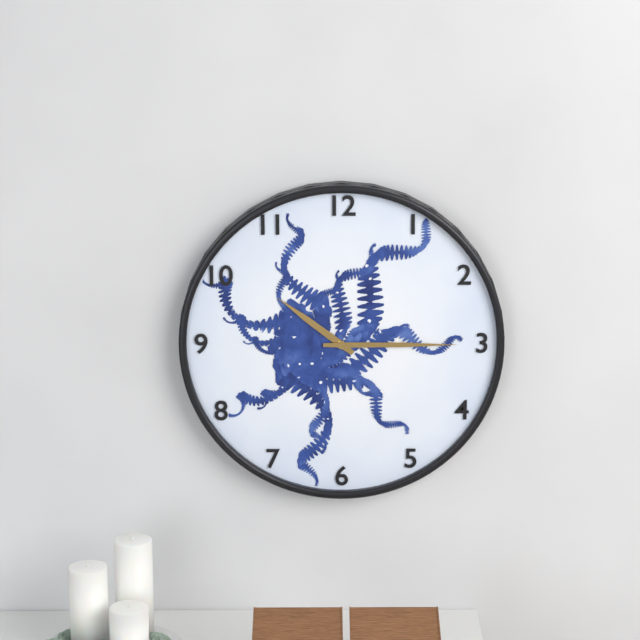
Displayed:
10.15
